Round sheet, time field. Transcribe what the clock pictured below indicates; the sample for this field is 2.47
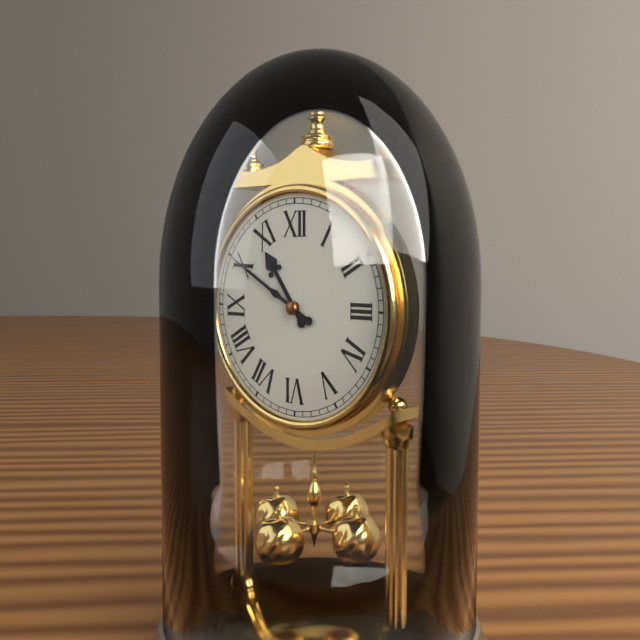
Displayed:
10.50
